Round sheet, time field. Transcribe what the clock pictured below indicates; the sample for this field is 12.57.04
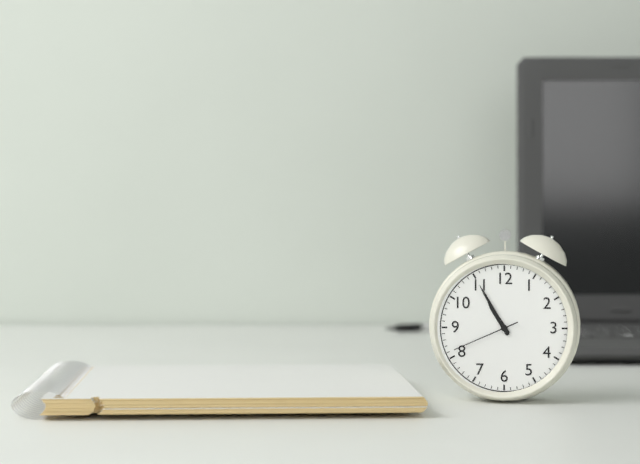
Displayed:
10.55.41
